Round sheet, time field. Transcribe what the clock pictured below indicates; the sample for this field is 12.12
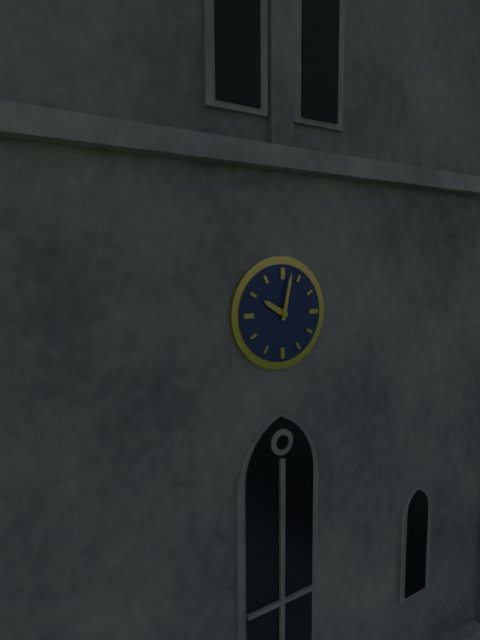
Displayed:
10.02
